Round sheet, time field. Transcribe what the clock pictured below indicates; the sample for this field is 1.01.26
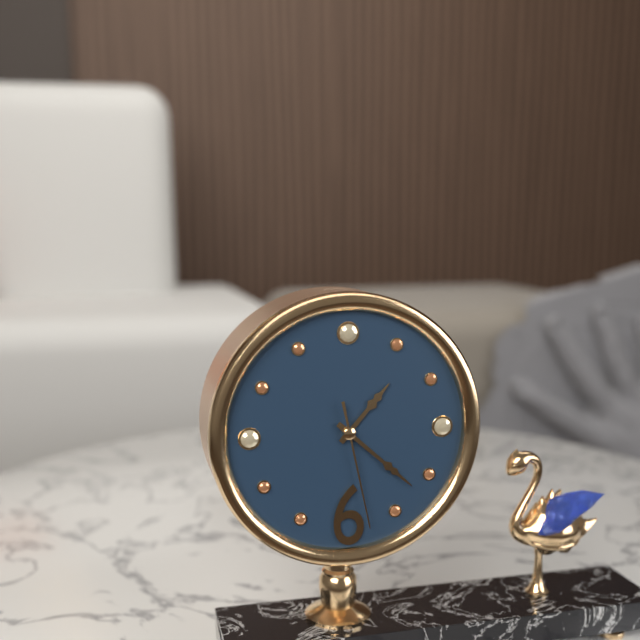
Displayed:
1.22.28
